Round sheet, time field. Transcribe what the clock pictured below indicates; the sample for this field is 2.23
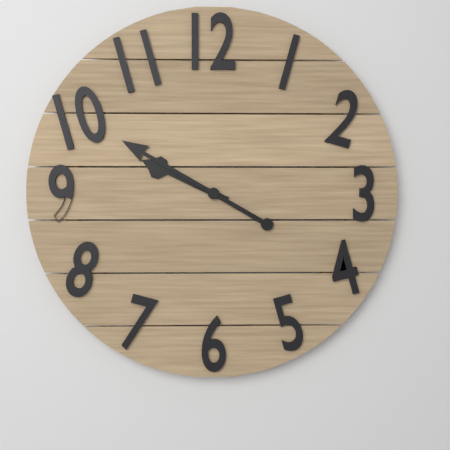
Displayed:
9.50
